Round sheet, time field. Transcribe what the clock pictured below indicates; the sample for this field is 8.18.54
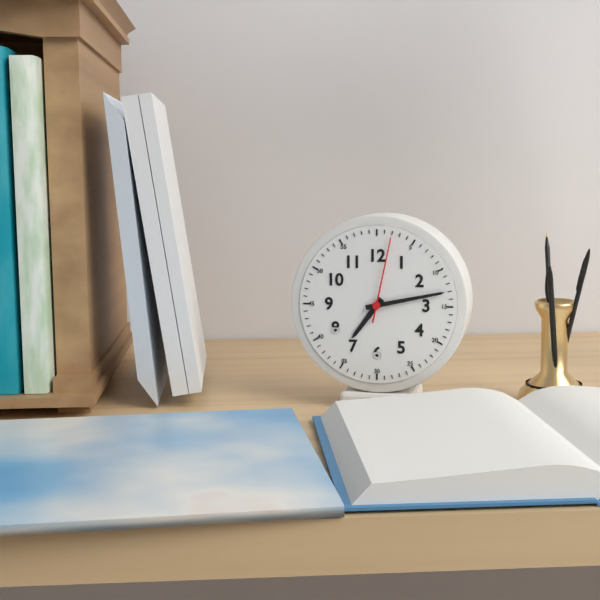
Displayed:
7.13.02
